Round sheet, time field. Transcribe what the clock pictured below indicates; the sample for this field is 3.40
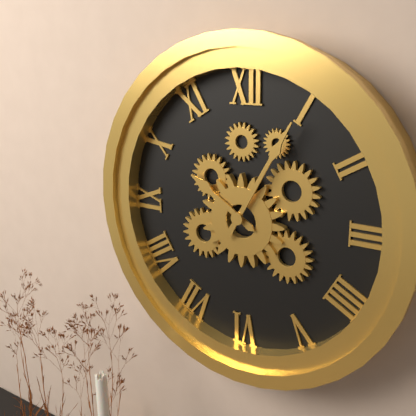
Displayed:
10.05
